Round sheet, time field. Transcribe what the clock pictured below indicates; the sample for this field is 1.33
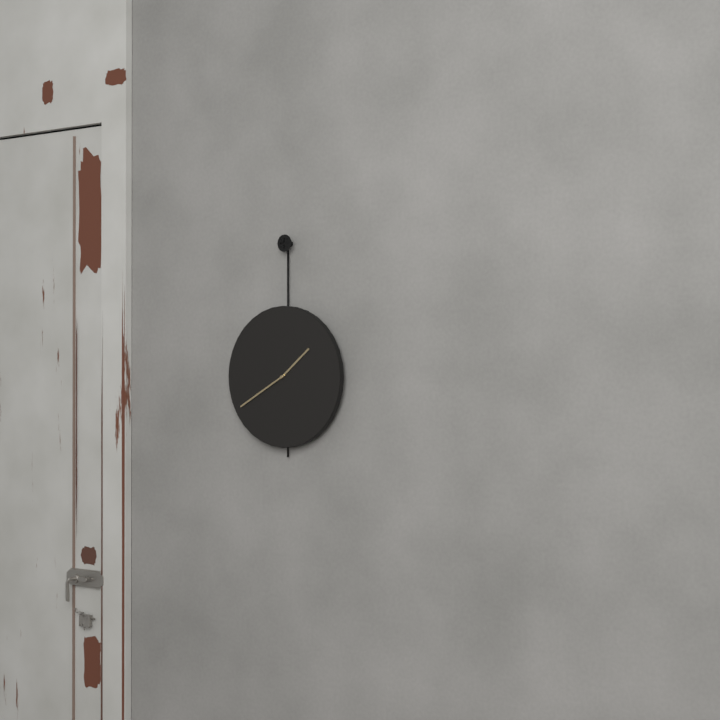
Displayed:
1.40
